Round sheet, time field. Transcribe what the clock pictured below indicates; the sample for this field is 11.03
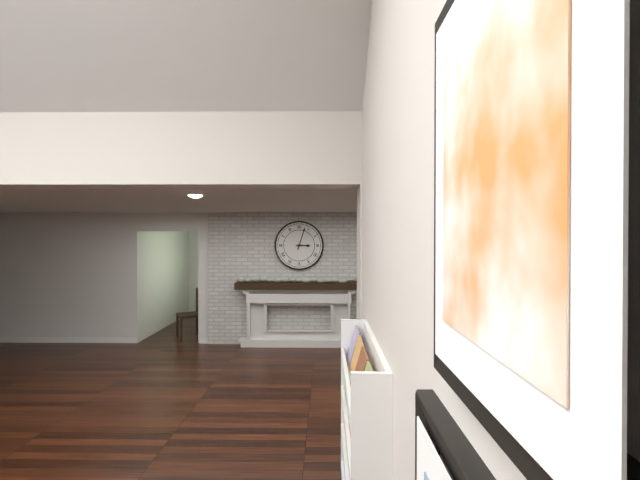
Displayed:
3.03
